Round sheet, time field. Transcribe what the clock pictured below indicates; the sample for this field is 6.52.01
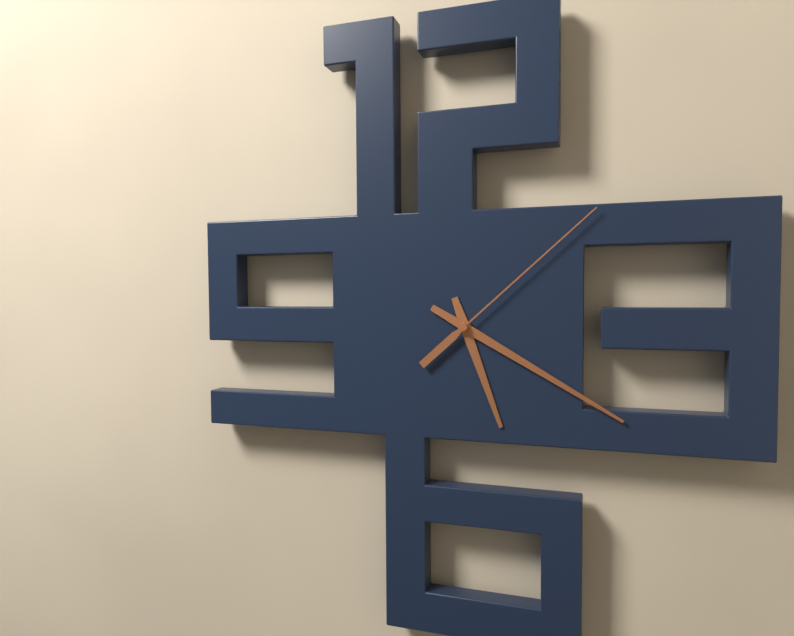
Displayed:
5.20.08
